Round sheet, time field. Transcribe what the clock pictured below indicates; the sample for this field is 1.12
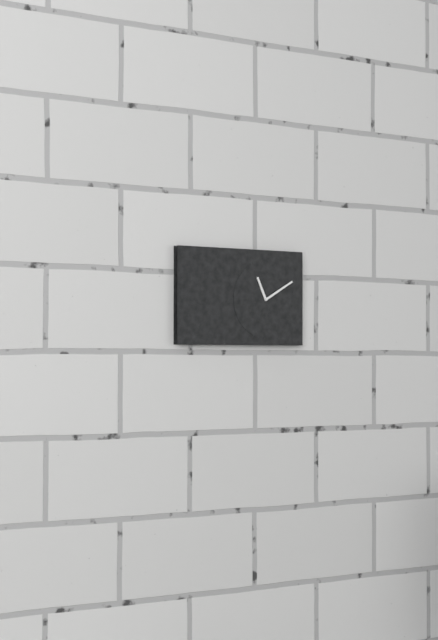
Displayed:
11.10
